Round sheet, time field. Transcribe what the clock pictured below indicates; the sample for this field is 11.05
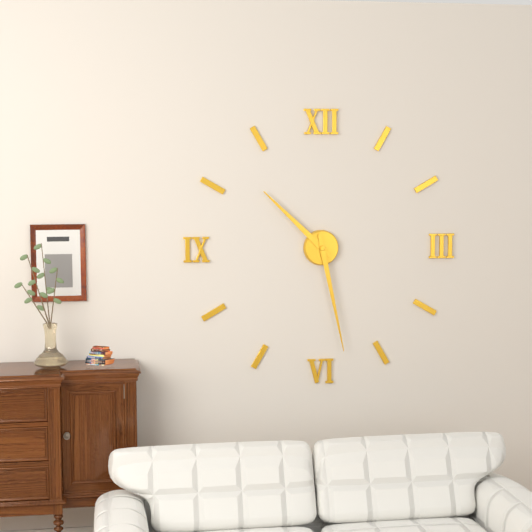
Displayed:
10.28
